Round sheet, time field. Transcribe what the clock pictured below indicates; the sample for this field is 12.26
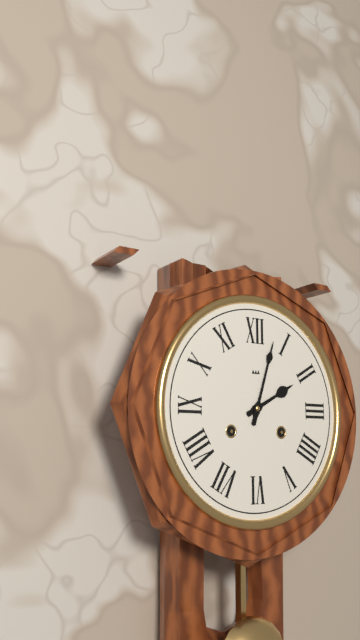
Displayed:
2.03
